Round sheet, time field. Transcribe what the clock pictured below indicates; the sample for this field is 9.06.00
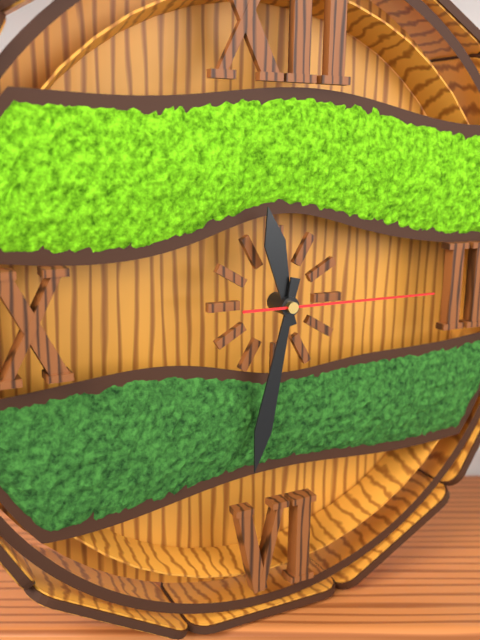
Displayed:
11.32.15
